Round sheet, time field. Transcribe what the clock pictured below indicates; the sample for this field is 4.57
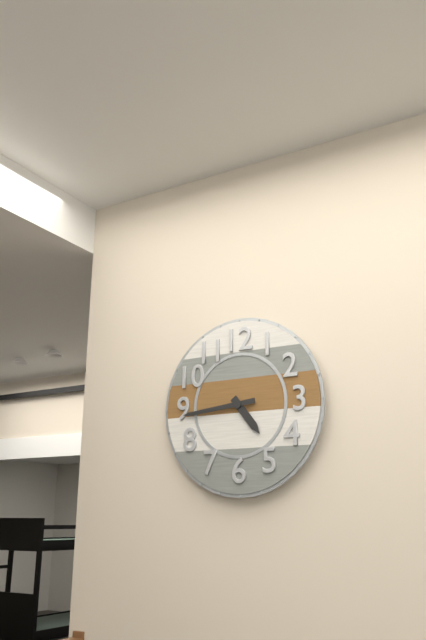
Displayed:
4.44
